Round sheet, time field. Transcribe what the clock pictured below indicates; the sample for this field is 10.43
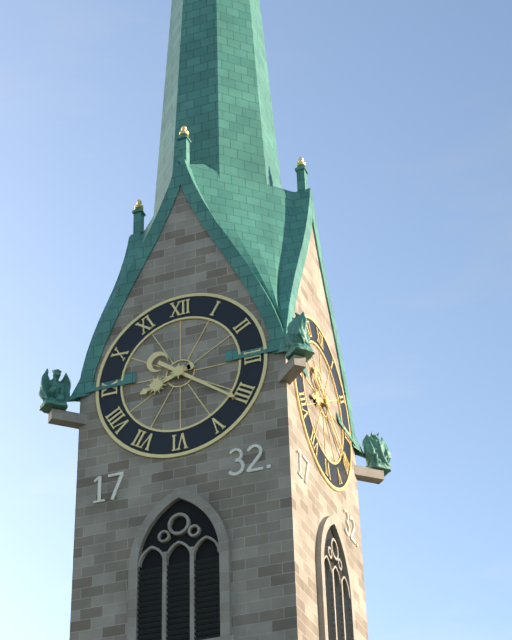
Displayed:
8.21
